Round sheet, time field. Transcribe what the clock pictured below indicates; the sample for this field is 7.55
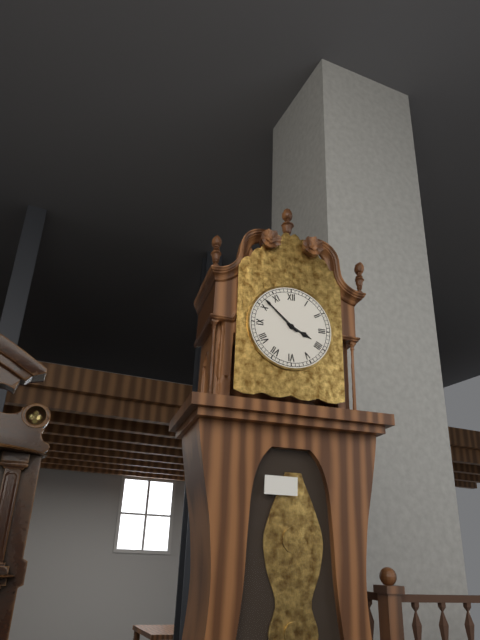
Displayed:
3.52
